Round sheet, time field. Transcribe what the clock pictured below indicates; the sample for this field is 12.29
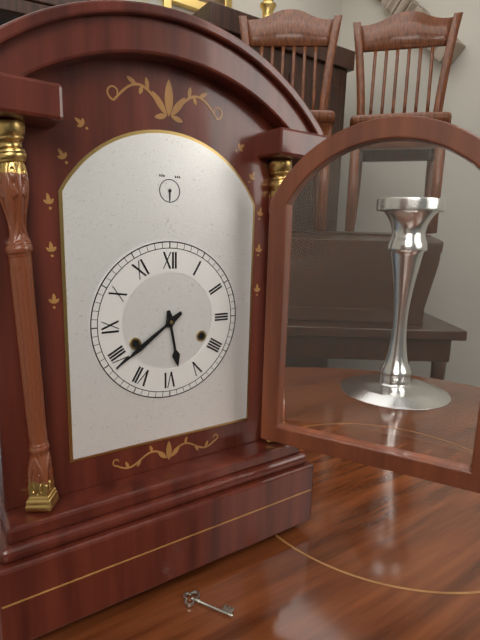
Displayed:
5.39
